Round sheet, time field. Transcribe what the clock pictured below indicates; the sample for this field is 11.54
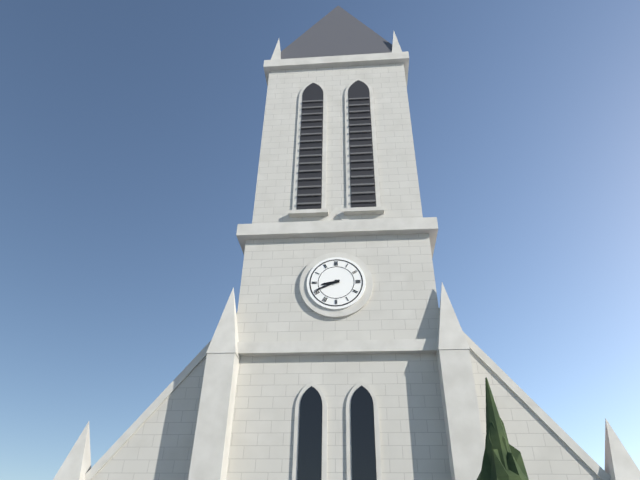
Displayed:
8.41
